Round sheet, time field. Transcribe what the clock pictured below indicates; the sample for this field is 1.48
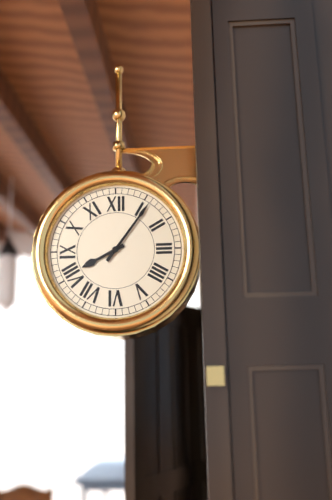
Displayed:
8.06
